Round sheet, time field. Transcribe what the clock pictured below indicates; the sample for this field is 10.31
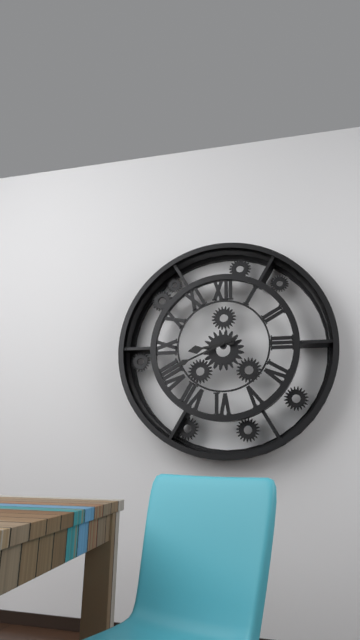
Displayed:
8.41
